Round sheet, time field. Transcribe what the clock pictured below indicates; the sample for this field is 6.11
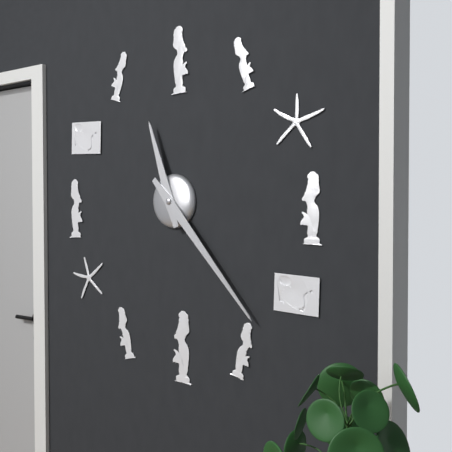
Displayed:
11.23
